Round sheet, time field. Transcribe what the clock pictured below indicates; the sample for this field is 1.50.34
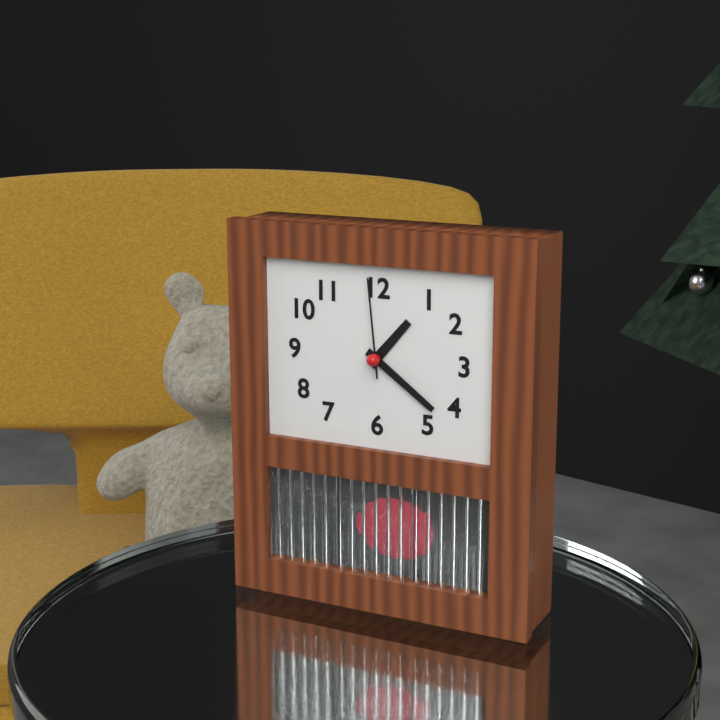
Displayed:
1.21.59
